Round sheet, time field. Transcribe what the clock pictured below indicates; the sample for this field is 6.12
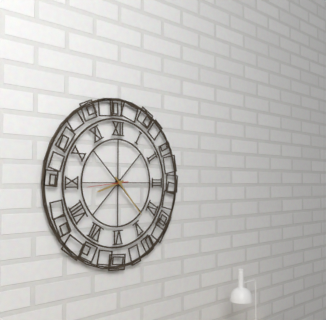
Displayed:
8.23
